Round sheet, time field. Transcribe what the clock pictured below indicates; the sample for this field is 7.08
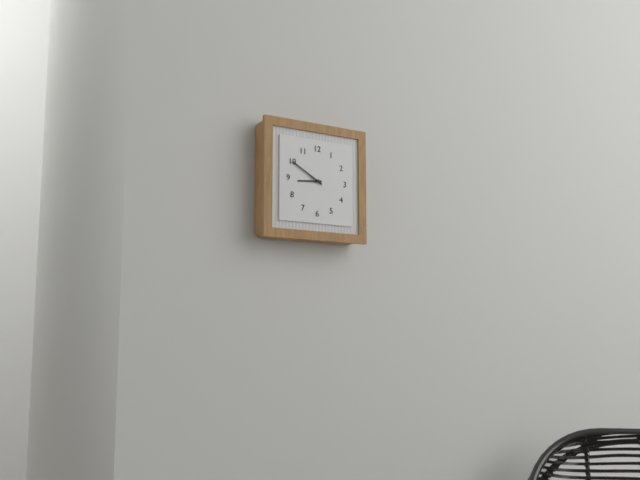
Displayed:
8.50
